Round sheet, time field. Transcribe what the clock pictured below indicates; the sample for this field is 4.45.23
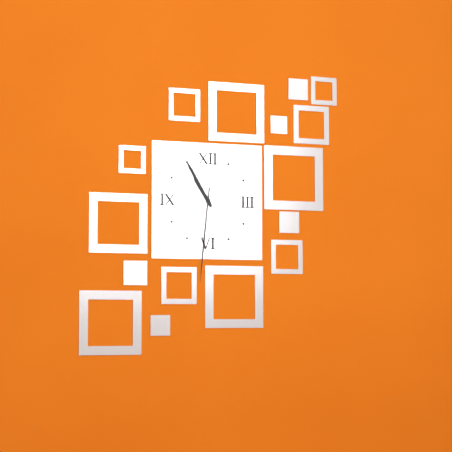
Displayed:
10.55.31
